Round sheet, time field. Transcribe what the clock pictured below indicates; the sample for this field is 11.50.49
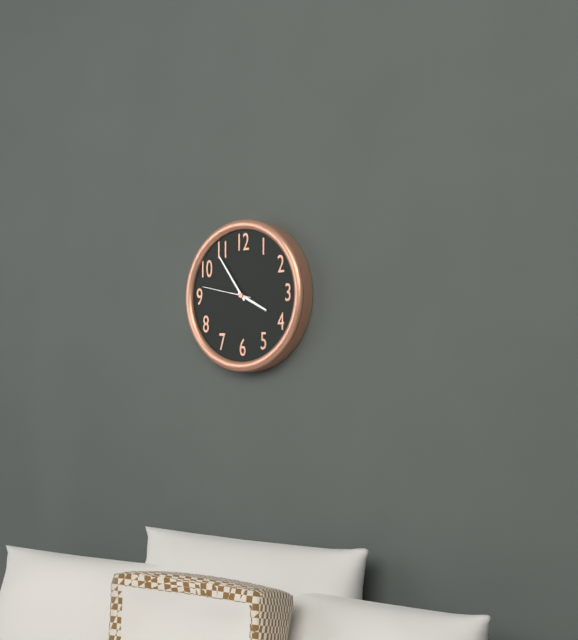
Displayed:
3.54.47
